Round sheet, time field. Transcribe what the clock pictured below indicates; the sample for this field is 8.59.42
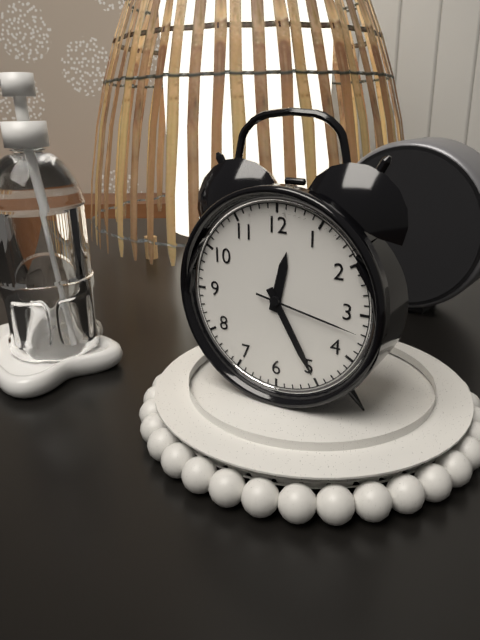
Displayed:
12.25.17
